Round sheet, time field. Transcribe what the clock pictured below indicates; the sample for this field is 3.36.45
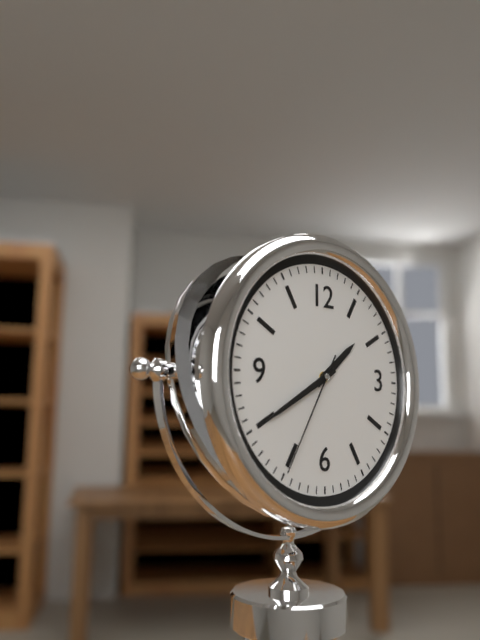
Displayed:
1.40.35
